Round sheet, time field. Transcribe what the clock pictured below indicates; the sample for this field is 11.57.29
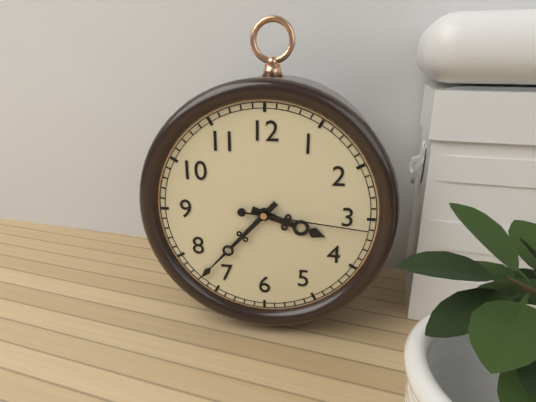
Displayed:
3.37.16
